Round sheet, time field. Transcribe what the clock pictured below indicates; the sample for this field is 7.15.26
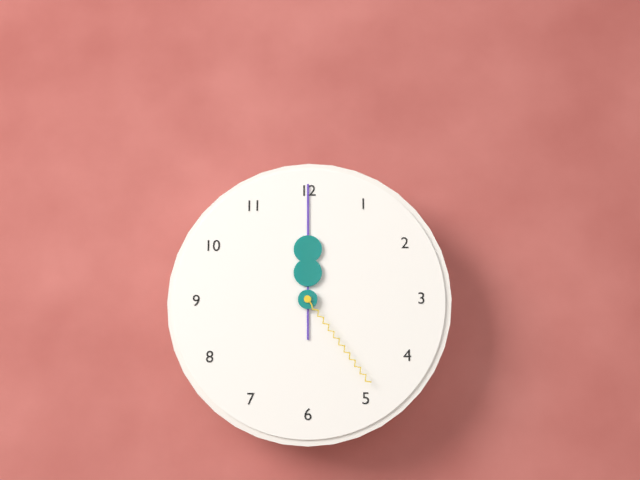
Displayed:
12.00.24
